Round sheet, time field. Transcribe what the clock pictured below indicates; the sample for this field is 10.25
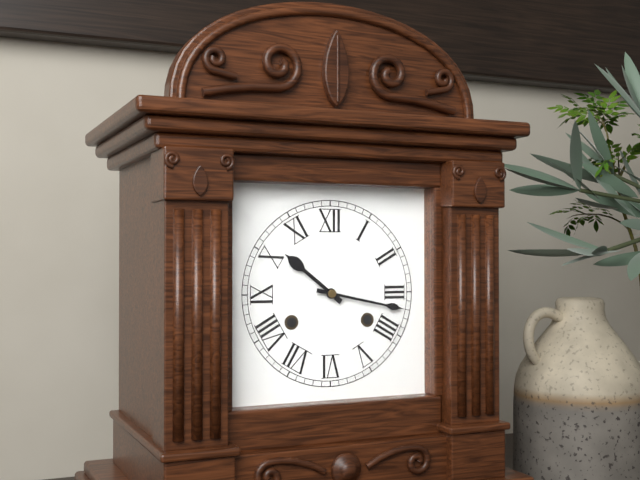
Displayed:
10.17
